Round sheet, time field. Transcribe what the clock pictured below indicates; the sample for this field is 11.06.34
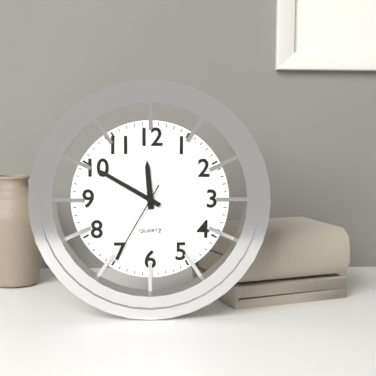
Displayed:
11.50.35
